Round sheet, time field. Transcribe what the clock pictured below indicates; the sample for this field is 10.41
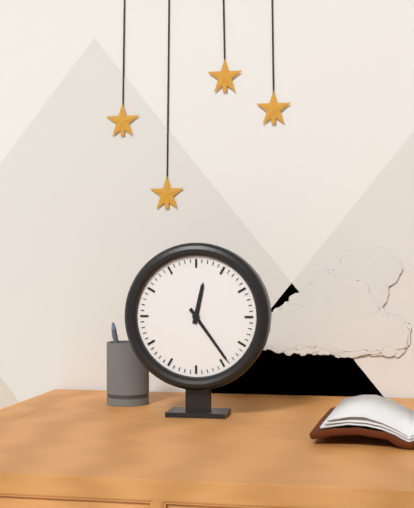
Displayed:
12.24
